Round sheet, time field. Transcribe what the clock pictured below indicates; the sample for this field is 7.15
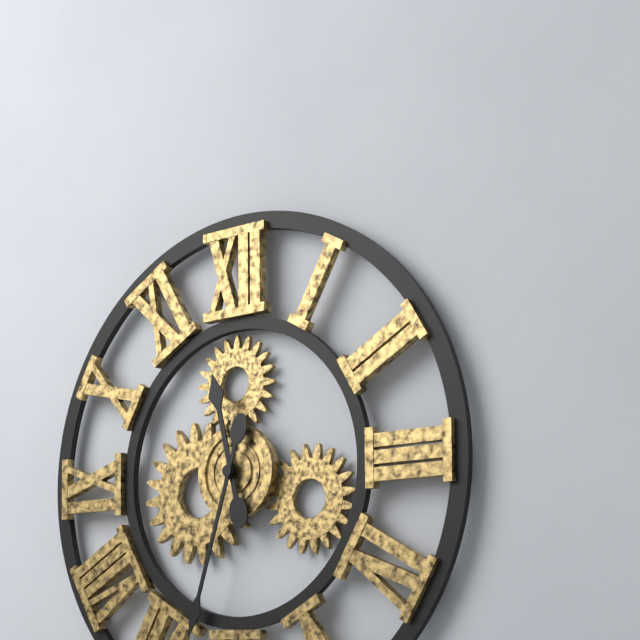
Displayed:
11.33
